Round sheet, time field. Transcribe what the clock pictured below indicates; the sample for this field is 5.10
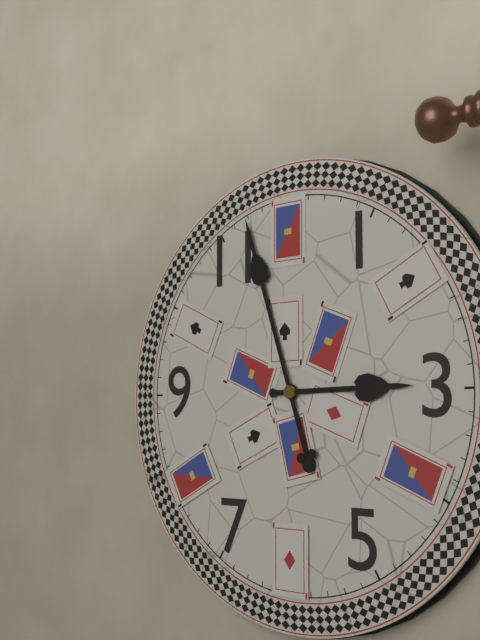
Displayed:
2.57
